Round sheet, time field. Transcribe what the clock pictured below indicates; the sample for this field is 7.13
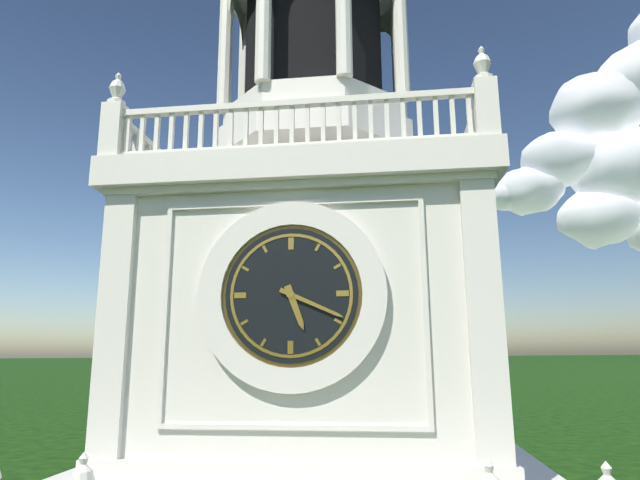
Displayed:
5.19
